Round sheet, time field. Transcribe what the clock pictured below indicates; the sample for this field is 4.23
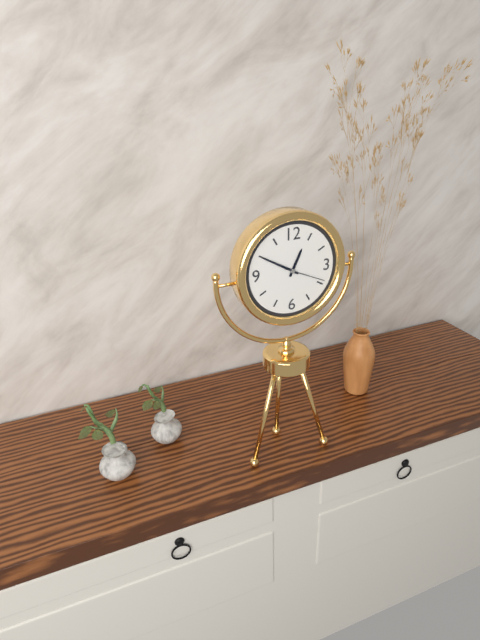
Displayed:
12.50
